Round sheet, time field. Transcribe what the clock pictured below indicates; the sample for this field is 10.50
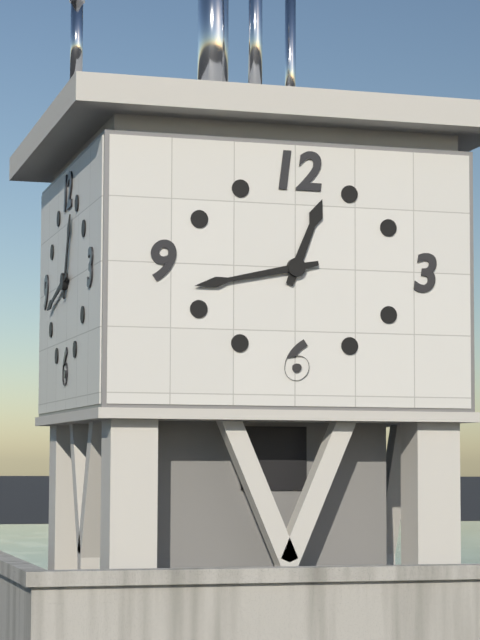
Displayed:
12.43
